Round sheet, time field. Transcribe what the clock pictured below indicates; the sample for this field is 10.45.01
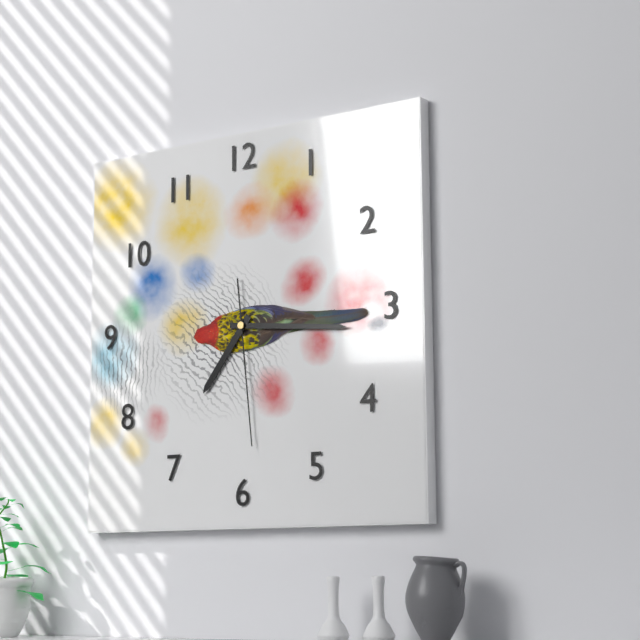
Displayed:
7.16.29
